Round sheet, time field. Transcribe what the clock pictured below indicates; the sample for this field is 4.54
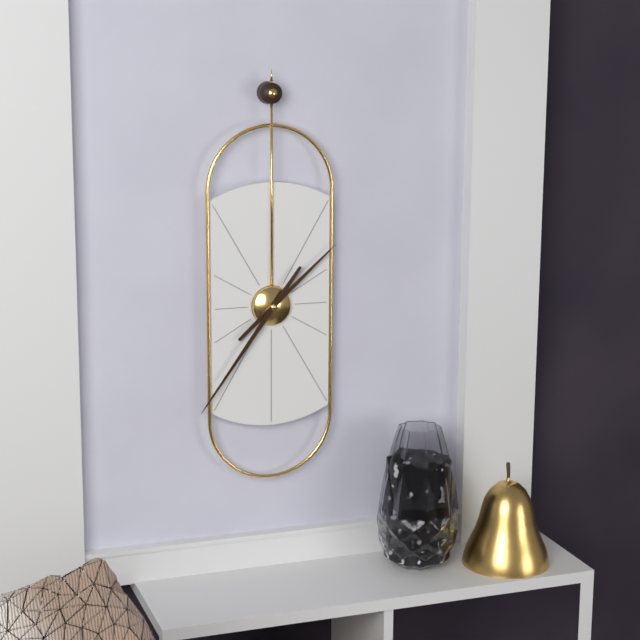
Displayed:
1.36
